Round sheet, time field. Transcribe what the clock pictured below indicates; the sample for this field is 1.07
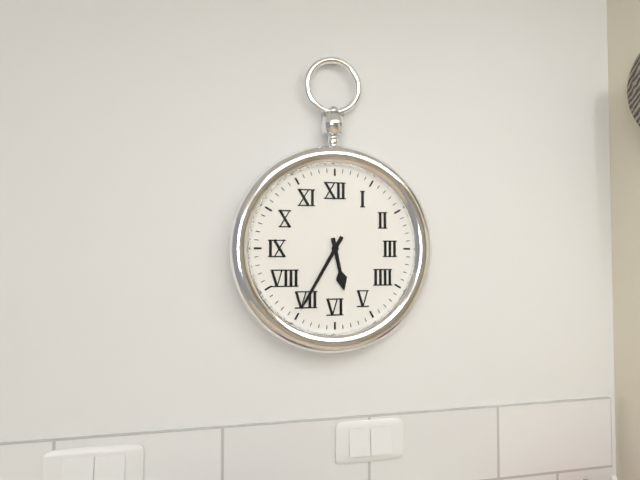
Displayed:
5.35
